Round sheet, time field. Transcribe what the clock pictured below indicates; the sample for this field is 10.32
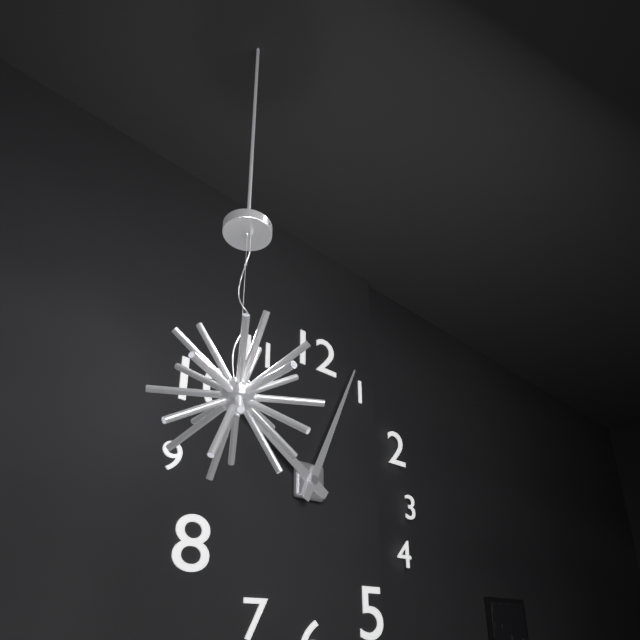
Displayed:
10.04
